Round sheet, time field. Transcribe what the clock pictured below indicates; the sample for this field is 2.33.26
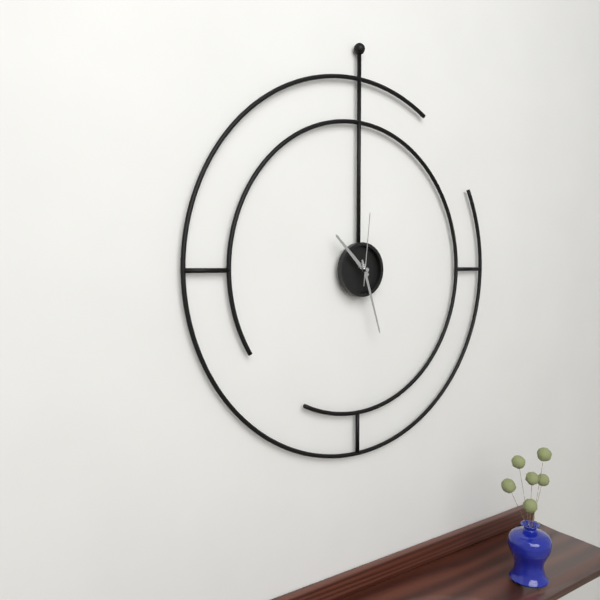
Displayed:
10.27.01
